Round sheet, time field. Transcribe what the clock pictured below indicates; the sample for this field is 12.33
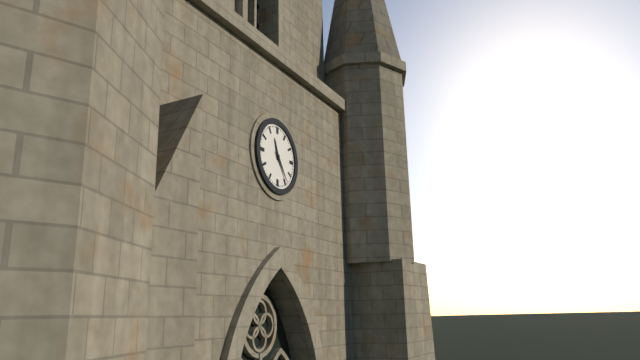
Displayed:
11.24
